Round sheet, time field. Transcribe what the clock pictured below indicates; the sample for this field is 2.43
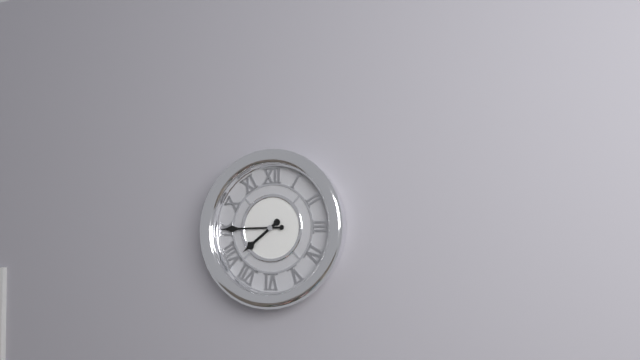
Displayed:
7.45
